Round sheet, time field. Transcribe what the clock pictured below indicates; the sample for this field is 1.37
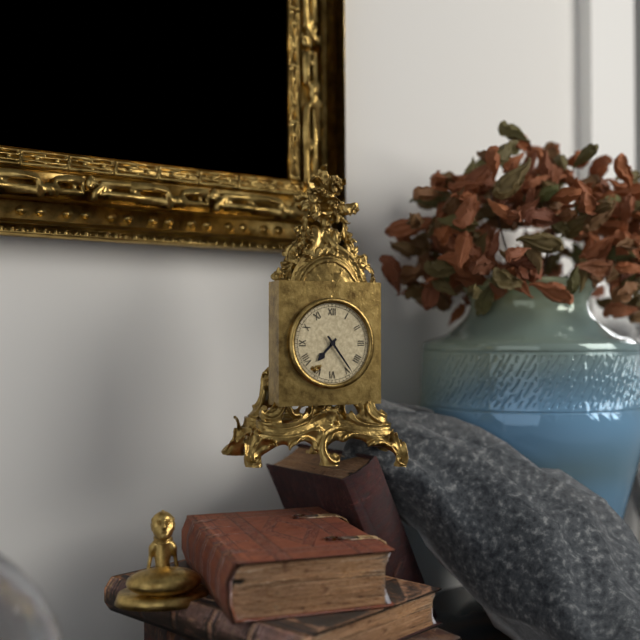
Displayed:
7.24
